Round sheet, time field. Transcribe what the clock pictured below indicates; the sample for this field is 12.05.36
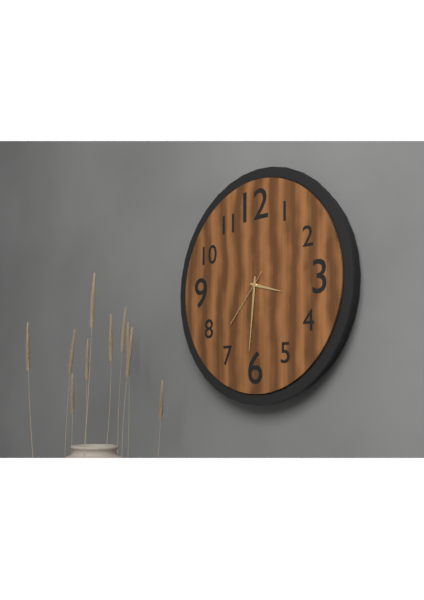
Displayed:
3.31.37
